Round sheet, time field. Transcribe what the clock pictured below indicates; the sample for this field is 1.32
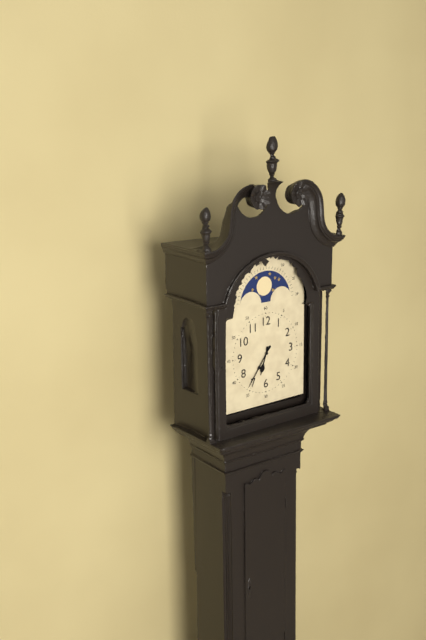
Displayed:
6.36
